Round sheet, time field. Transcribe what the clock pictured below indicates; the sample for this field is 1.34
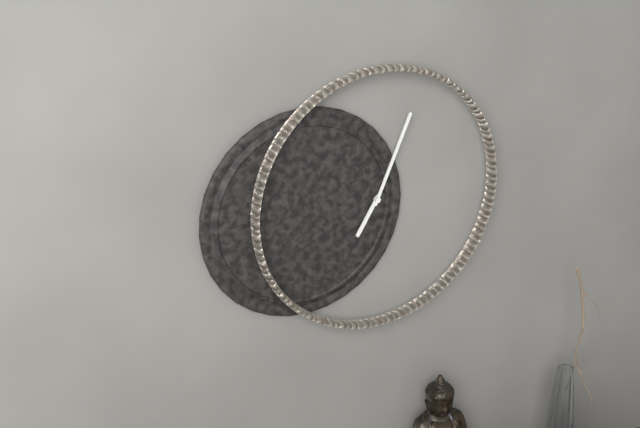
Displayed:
7.04
